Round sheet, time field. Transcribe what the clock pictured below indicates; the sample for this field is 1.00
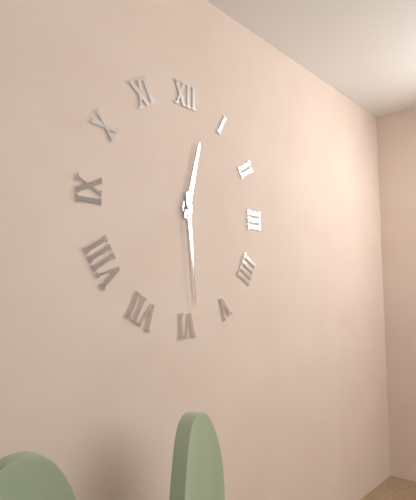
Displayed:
12.29
